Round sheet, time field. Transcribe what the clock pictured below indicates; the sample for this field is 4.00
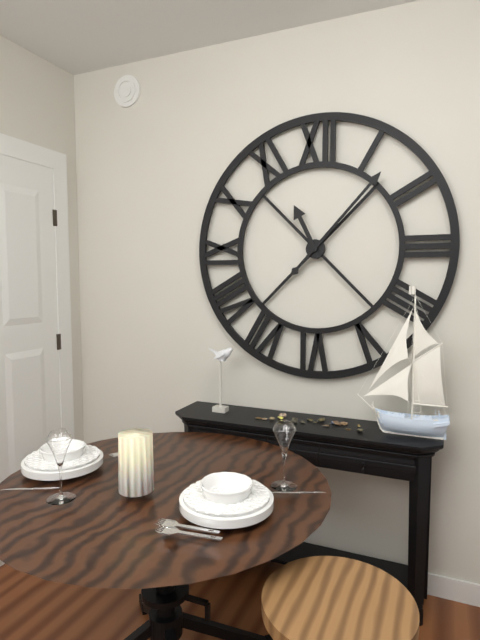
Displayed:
11.07
